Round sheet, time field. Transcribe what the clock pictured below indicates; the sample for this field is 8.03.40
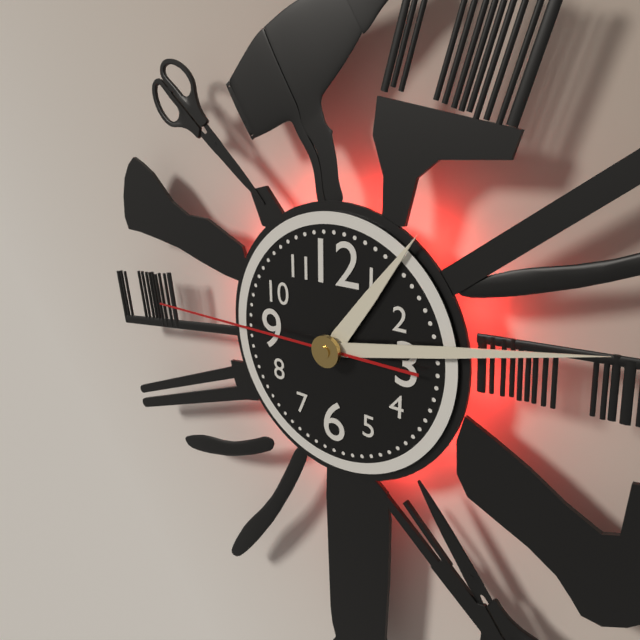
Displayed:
1.13.45
